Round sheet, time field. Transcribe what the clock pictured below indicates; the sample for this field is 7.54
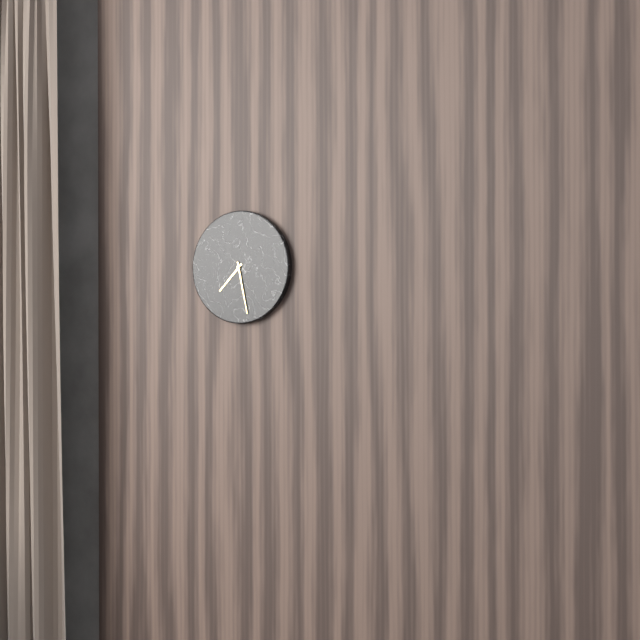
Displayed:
7.28
